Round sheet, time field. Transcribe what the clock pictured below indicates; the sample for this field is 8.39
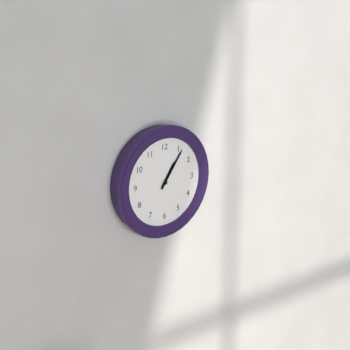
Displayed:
1.06
